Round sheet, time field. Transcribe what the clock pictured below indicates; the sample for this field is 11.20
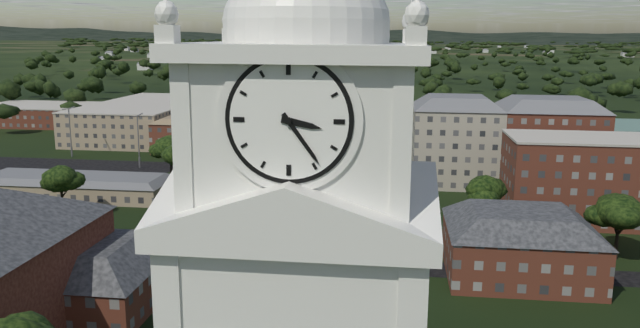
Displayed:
3.24
